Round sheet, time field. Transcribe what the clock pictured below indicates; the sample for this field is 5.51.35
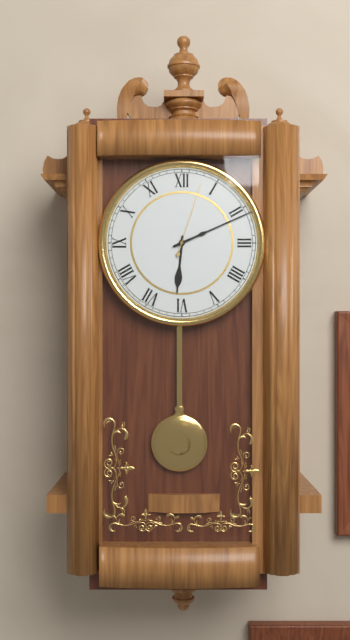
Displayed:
6.11.03
